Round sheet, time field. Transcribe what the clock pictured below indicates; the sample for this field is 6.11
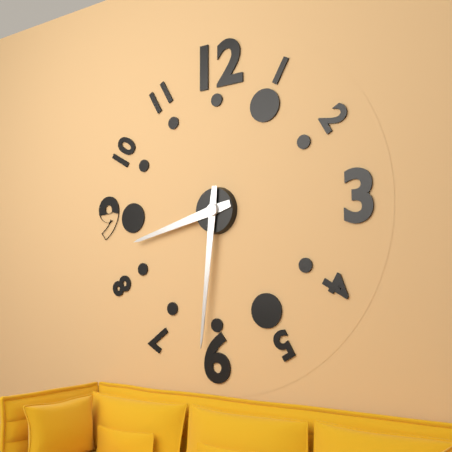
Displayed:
8.31
